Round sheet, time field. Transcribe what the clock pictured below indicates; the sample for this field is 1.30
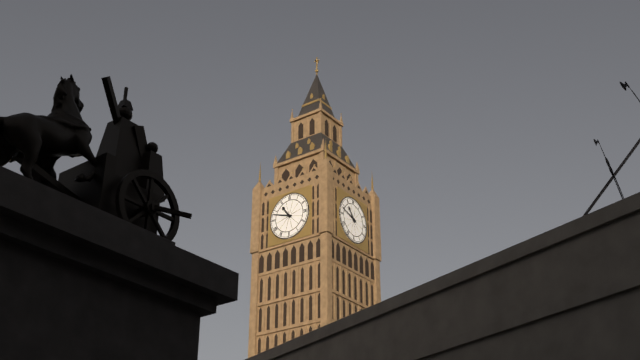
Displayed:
10.48
